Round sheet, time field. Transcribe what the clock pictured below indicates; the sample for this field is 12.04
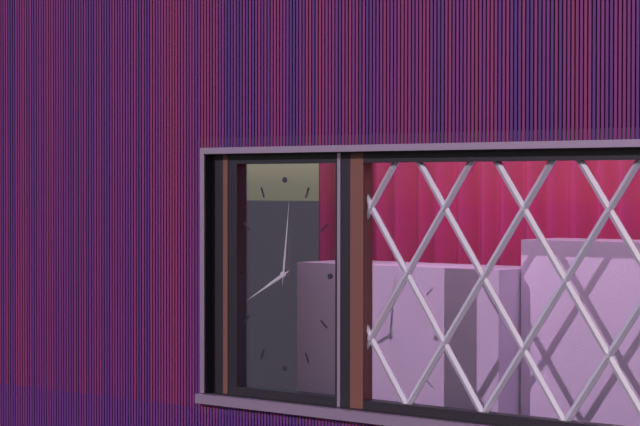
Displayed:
8.01
